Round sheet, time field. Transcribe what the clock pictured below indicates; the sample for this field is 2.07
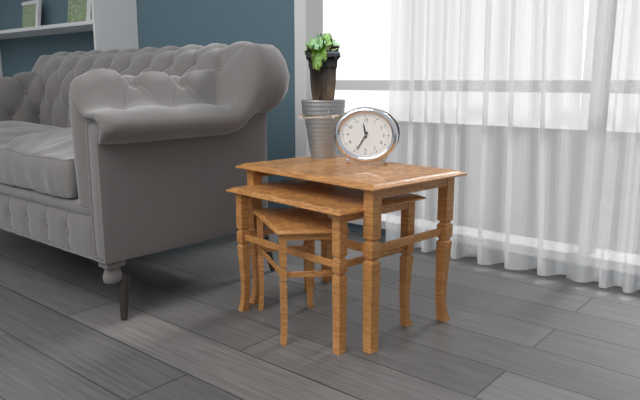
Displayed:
11.35
